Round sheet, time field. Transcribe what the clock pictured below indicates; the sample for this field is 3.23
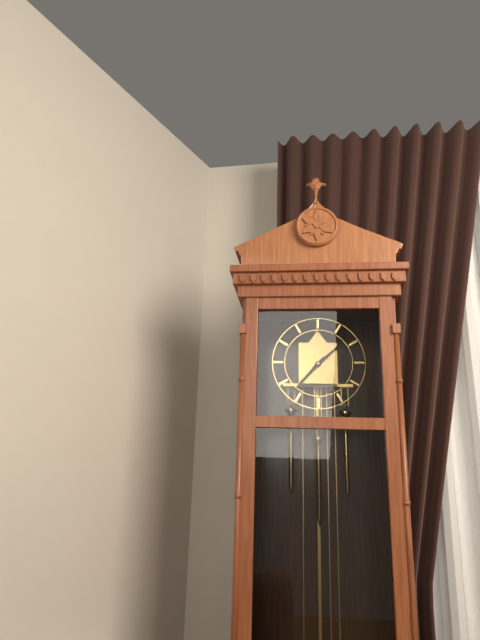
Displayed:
1.37
